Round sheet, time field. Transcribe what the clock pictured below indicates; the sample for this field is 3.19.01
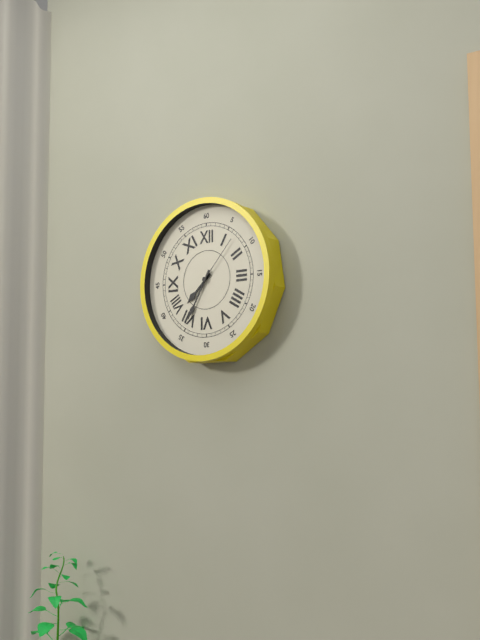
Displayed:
7.35.07
